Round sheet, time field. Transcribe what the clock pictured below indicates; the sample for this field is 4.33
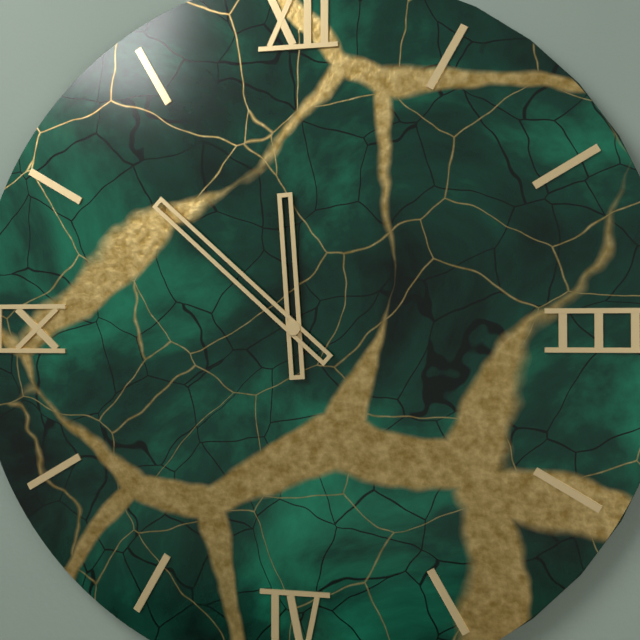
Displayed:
11.52
